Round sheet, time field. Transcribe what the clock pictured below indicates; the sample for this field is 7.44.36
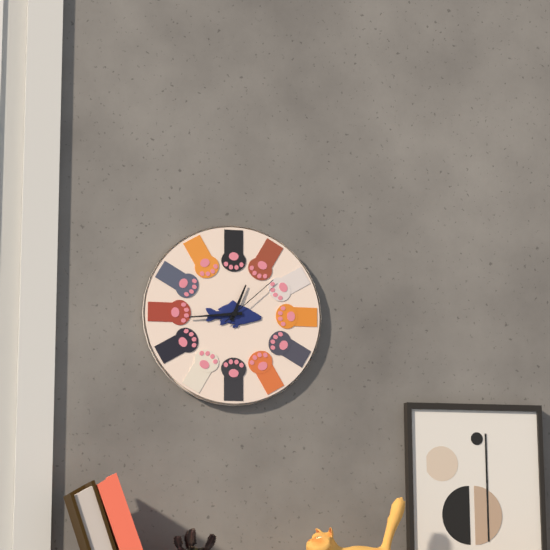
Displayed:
12.44.08
